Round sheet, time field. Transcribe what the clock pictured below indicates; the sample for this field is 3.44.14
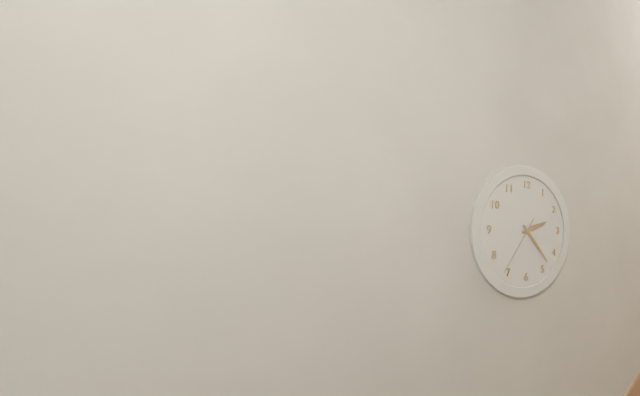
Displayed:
2.23.36
